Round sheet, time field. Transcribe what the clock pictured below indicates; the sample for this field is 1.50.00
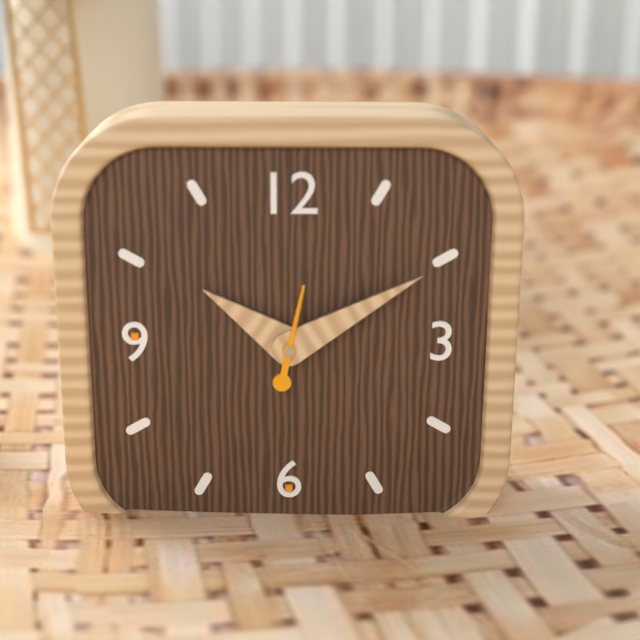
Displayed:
10.10.02
